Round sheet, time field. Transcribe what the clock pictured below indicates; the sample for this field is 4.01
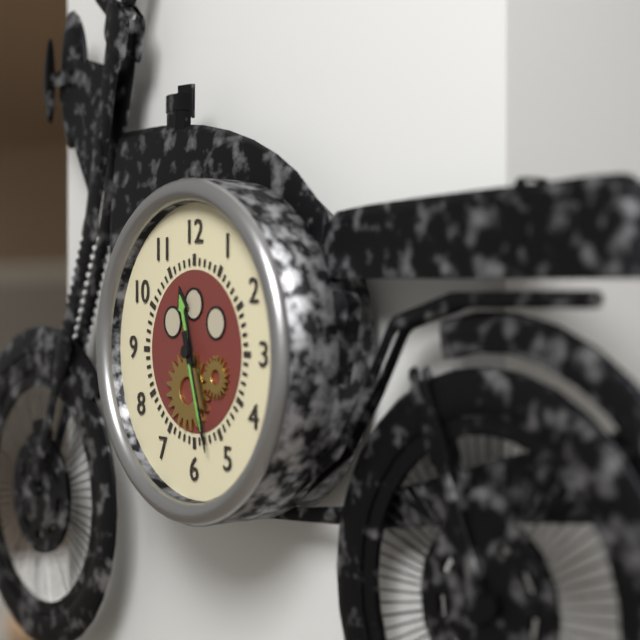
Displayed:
11.27
